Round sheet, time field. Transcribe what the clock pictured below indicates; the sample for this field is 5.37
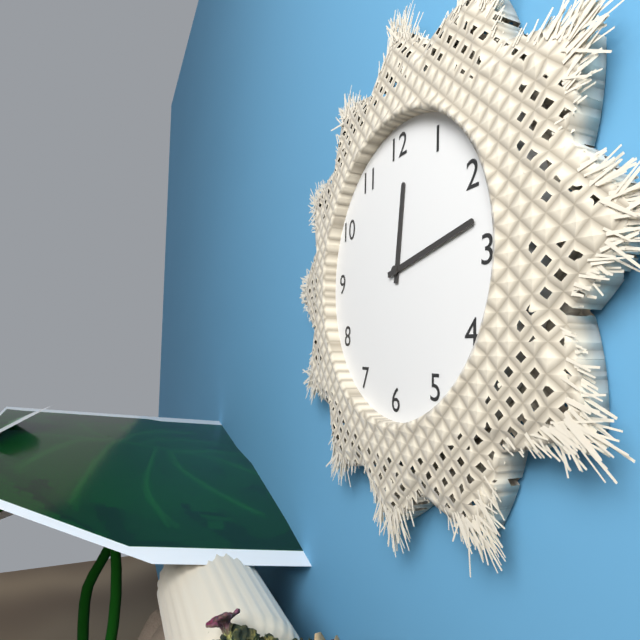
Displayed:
12.13
